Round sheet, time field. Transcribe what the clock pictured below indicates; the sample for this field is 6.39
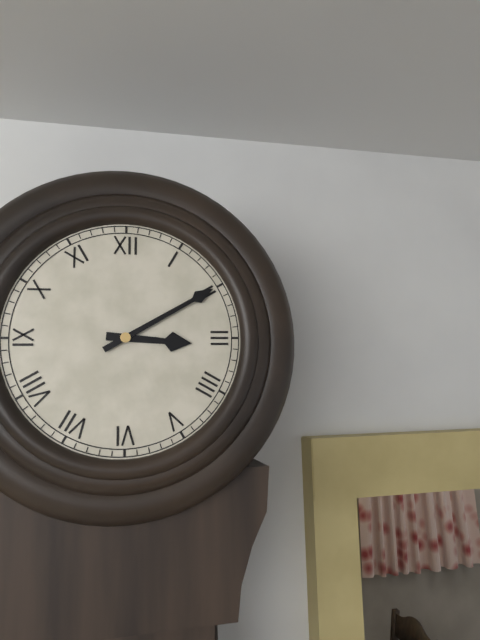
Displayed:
3.10
